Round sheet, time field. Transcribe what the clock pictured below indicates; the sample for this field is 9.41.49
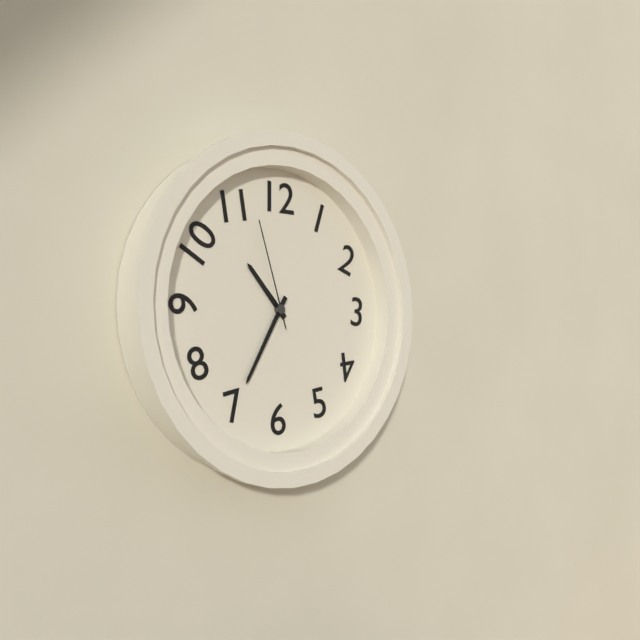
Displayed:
10.35.57
